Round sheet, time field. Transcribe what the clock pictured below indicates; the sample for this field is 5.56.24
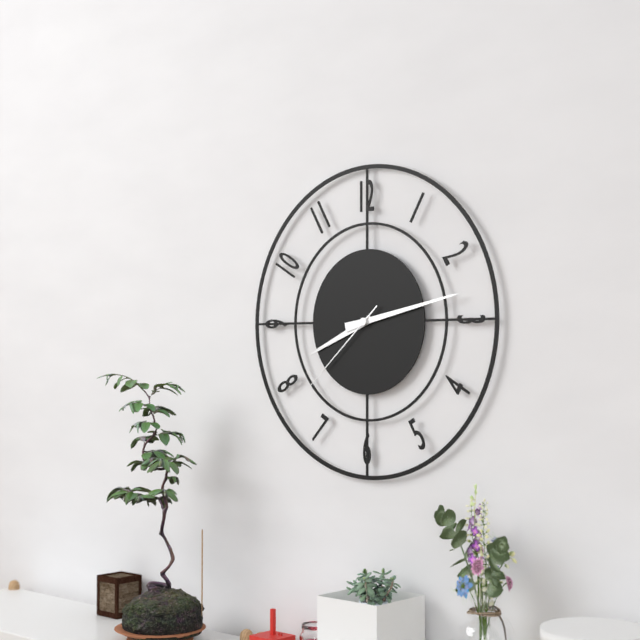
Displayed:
8.13.38
